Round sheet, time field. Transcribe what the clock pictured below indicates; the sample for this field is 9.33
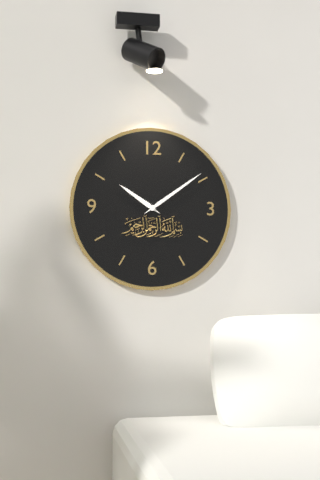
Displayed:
10.09
